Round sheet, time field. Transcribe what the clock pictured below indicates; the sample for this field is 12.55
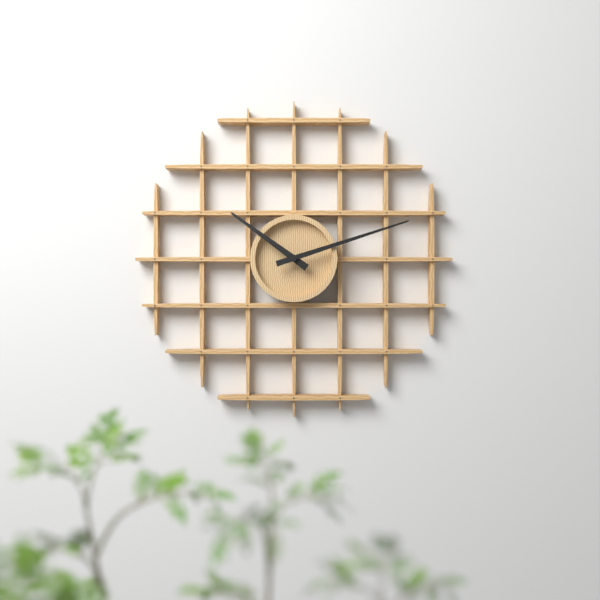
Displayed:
10.12
